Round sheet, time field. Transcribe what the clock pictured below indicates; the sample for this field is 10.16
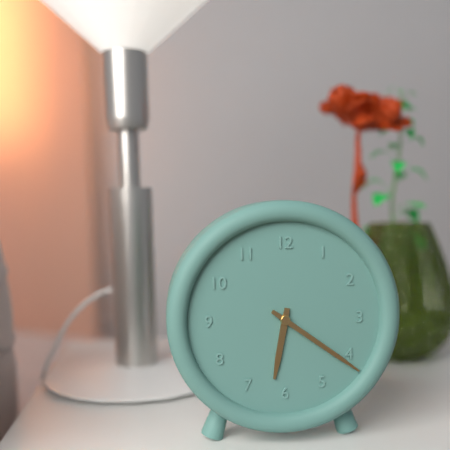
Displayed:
6.21
